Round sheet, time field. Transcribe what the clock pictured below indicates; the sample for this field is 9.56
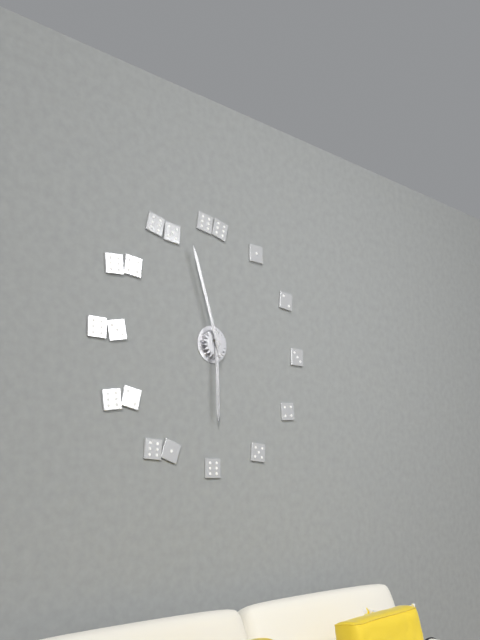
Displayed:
5.57
